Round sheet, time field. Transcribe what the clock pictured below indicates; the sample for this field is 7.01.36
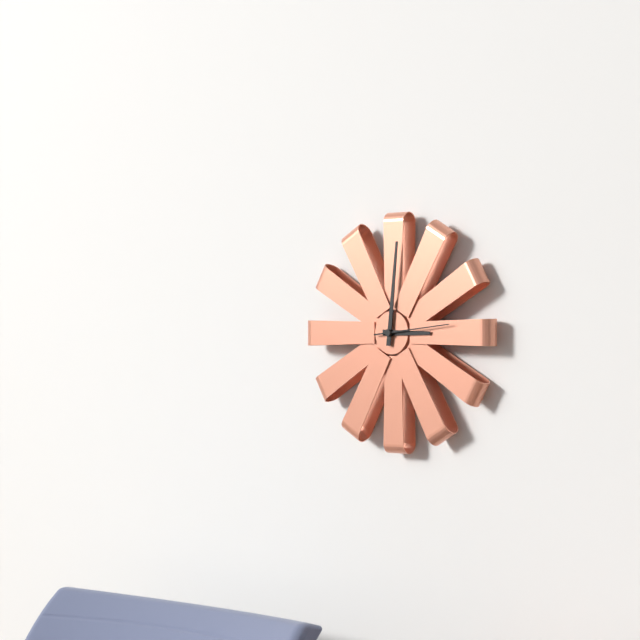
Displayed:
3.01.14
